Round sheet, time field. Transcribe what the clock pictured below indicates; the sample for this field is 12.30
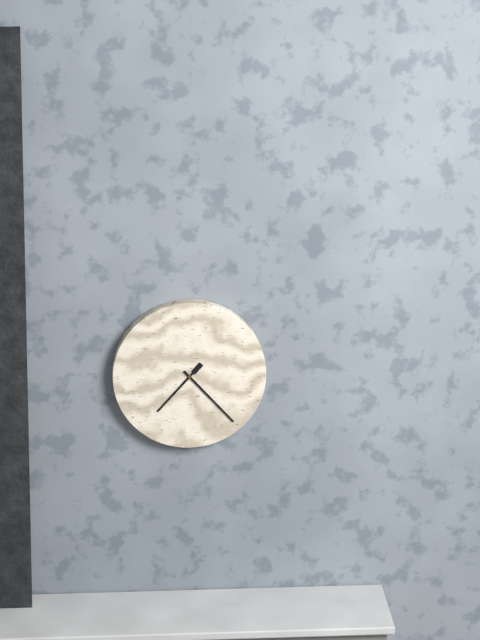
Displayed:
7.23
